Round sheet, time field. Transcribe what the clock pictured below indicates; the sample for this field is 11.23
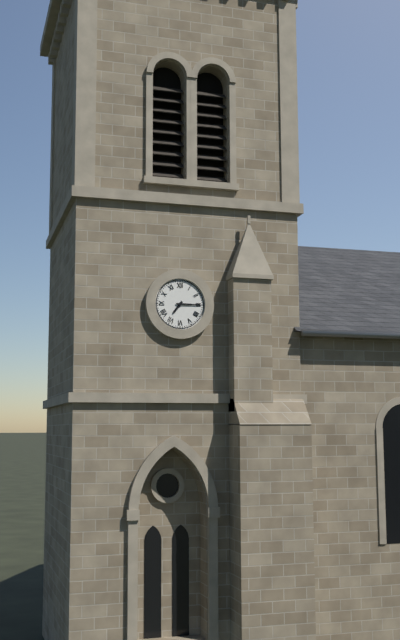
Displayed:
7.15
